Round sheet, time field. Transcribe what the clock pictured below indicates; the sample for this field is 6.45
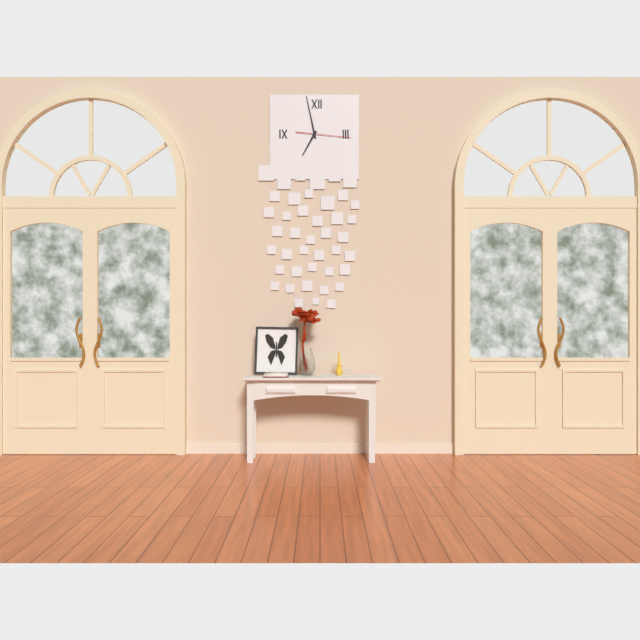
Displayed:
6.58
